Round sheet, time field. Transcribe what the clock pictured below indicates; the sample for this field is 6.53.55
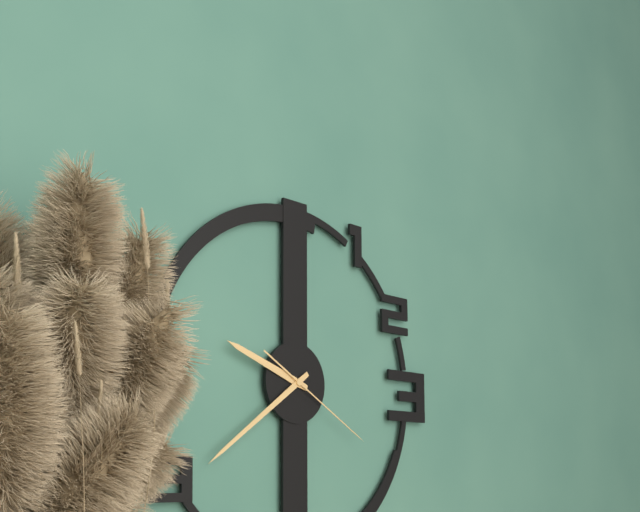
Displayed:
9.39.20
